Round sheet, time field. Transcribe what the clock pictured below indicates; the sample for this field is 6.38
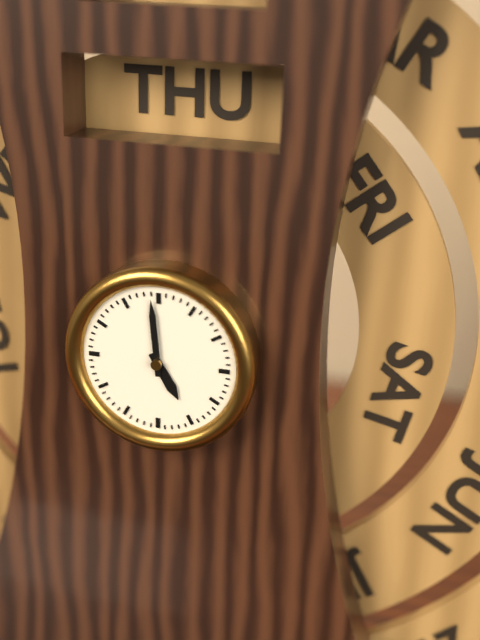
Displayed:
4.59
